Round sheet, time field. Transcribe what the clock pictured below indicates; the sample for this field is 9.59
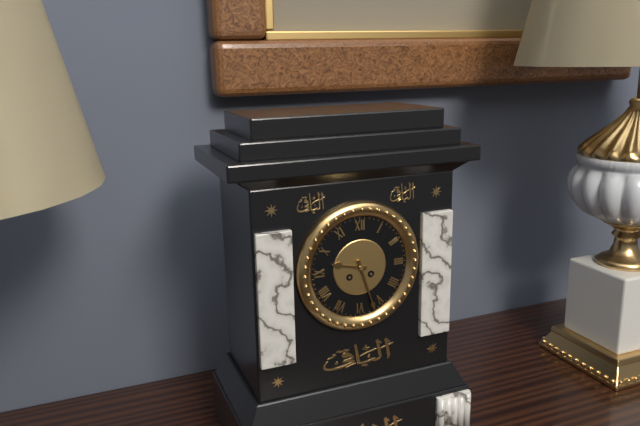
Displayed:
9.27
